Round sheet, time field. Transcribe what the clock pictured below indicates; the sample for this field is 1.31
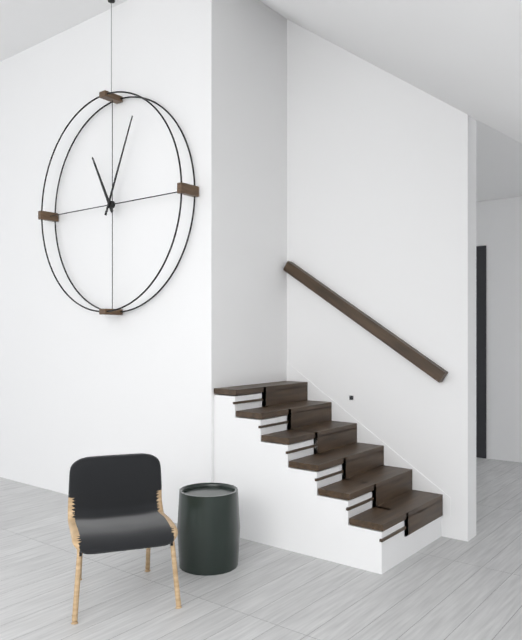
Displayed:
11.04
